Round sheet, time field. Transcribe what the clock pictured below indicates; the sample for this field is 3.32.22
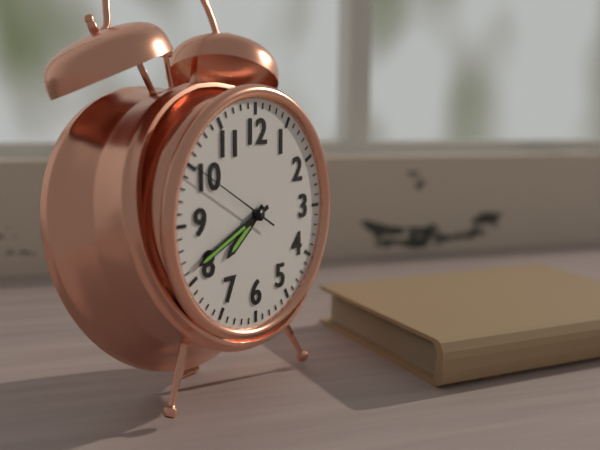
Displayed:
7.41.50
